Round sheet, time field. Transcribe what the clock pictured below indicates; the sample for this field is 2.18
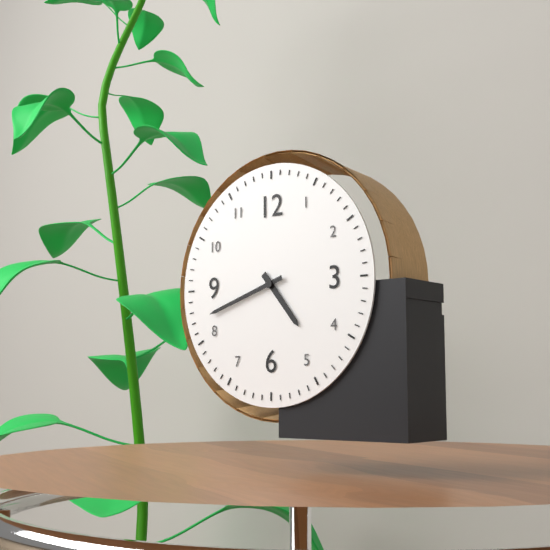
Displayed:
4.42
